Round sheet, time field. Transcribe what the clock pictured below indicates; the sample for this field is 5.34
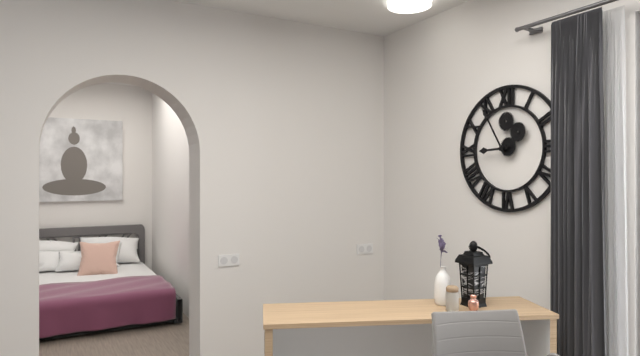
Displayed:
8.55
